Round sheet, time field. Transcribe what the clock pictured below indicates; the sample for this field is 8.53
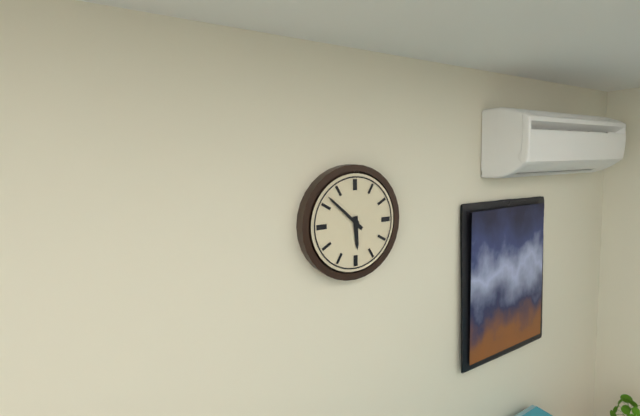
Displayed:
5.52
